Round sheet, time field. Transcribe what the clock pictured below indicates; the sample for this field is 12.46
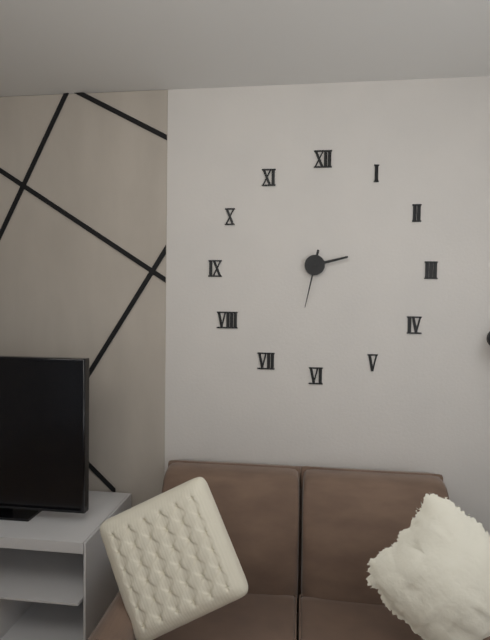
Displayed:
2.32
